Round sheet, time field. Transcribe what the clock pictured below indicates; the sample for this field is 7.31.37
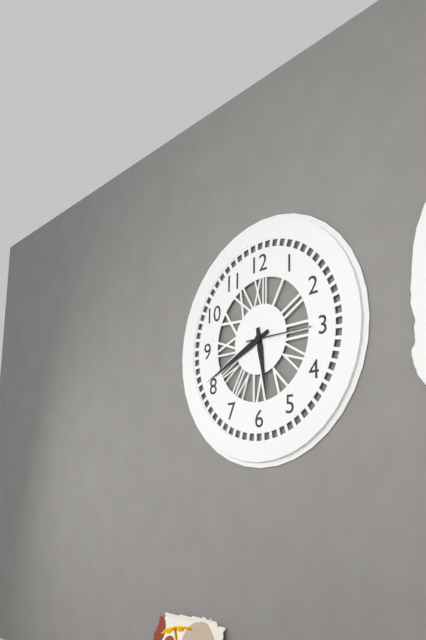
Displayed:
5.41.15
